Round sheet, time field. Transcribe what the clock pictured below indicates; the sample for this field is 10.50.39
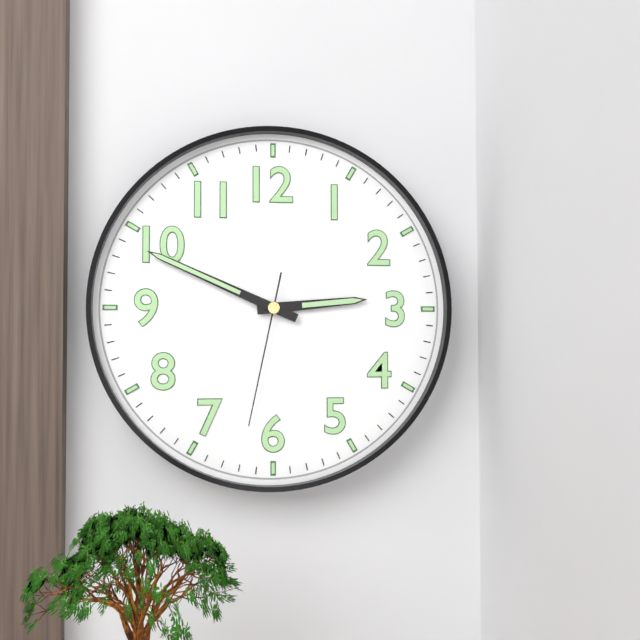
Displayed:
2.49.32
